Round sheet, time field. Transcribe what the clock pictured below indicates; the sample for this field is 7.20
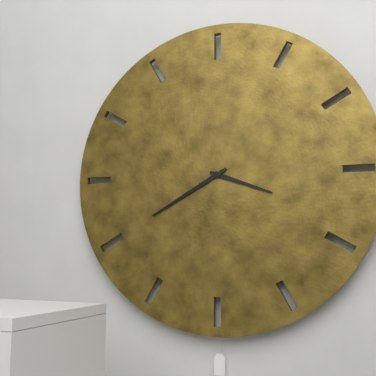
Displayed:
3.40
